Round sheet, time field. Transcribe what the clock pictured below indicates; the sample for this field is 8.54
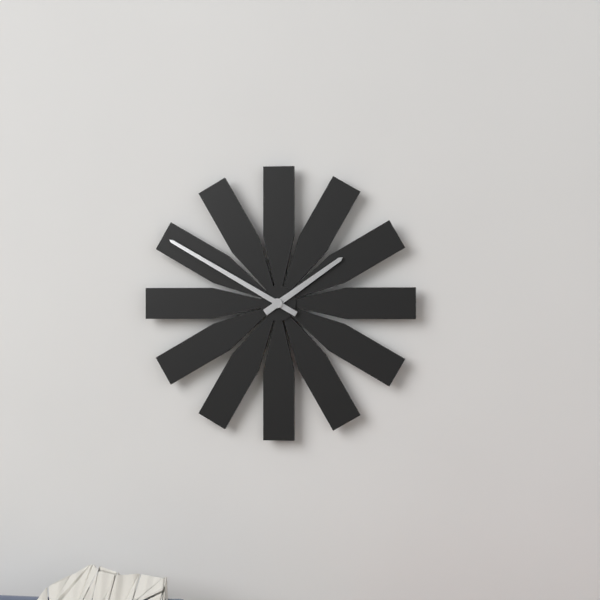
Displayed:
1.50
